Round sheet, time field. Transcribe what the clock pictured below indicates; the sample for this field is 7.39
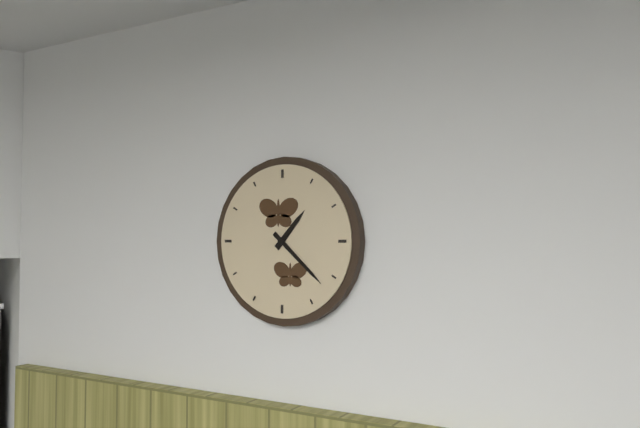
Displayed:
1.22
